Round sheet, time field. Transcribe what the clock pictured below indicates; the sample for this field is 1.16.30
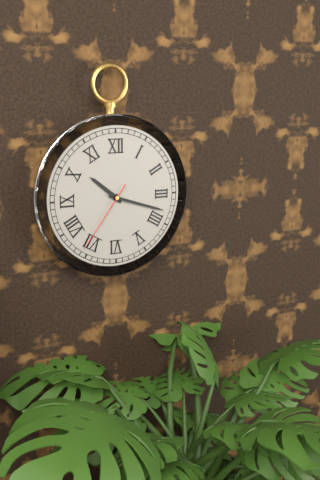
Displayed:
10.18.36
